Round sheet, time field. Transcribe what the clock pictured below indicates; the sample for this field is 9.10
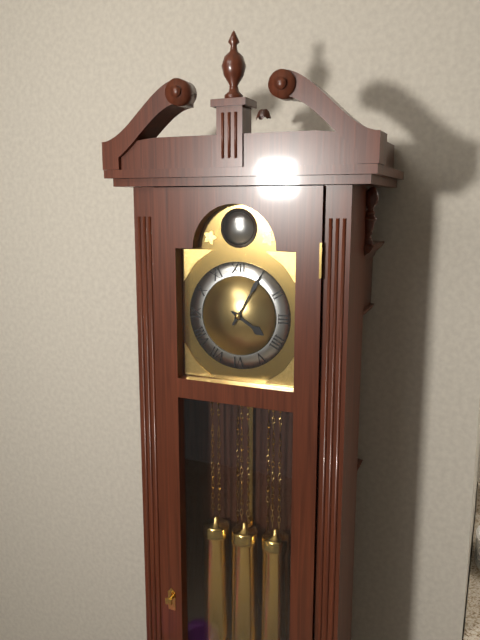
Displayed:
4.05
